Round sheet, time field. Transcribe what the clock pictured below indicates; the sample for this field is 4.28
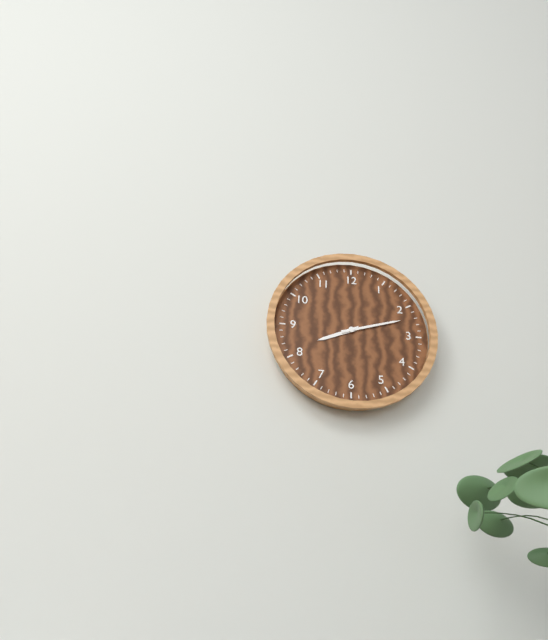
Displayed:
8.12
